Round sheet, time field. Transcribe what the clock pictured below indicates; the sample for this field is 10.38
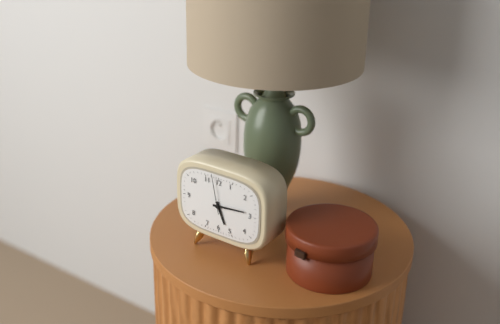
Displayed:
5.14
